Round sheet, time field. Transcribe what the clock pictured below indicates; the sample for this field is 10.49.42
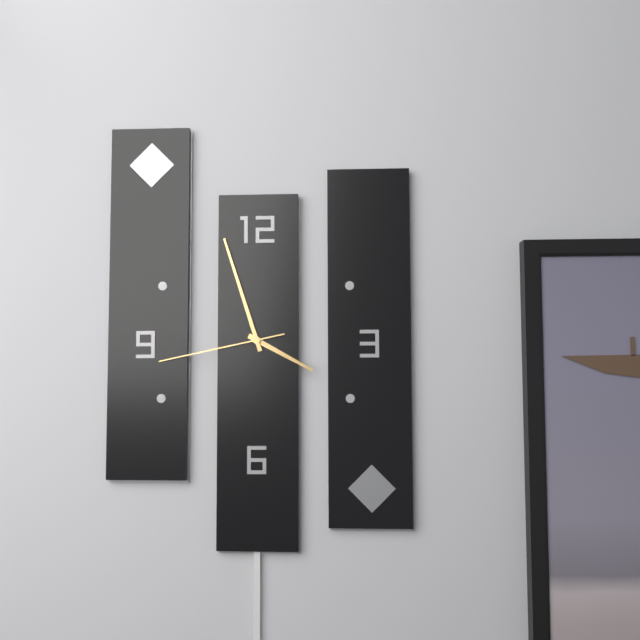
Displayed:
3.57.43
